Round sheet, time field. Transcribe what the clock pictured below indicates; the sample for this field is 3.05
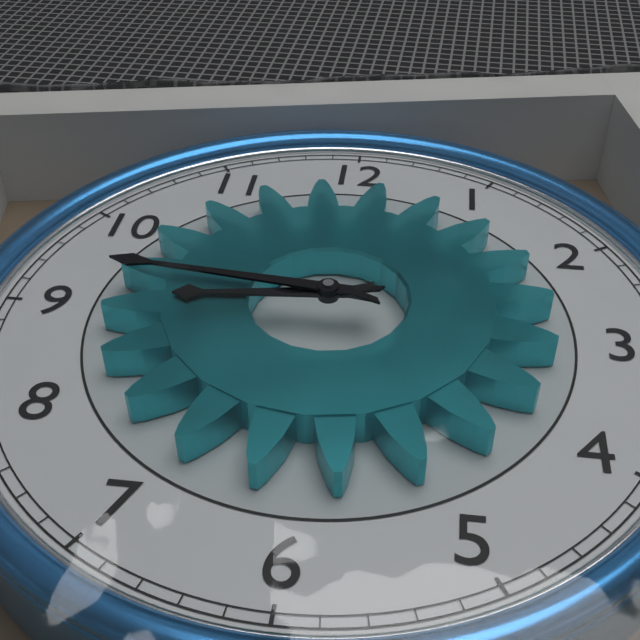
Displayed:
8.46
